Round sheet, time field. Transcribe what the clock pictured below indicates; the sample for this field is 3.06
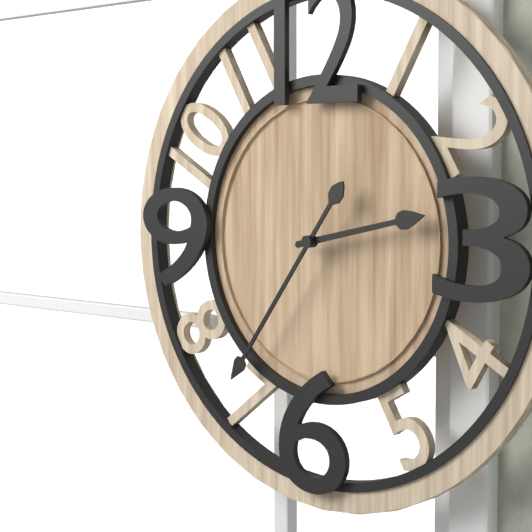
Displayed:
2.36
